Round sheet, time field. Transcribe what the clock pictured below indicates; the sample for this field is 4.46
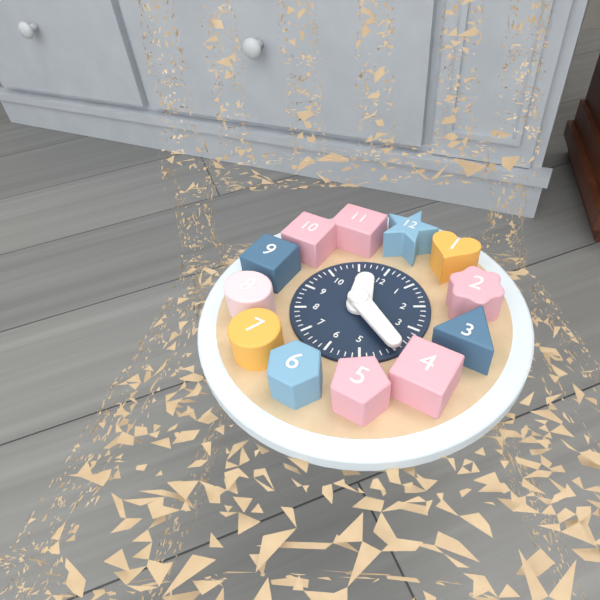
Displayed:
11.20
